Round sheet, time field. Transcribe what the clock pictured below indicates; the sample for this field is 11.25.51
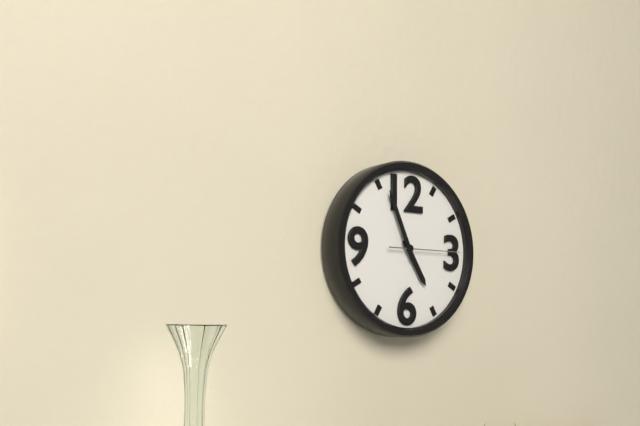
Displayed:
4.56.15
